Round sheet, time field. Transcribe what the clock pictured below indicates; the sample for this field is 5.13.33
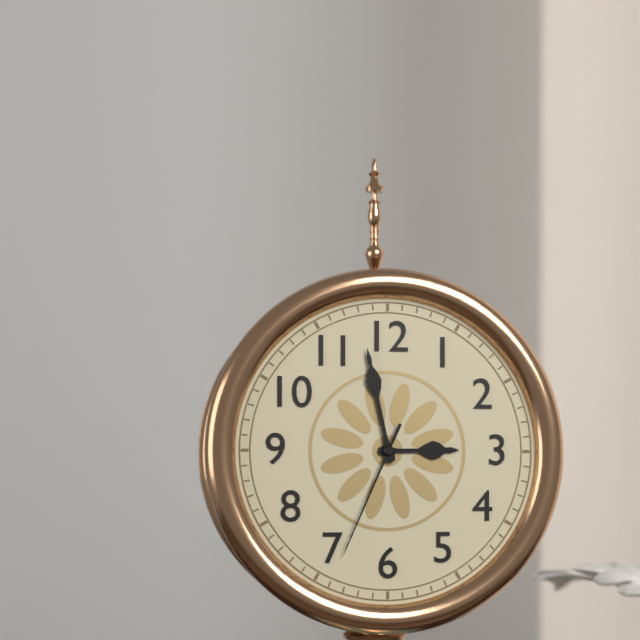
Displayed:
2.58.34
